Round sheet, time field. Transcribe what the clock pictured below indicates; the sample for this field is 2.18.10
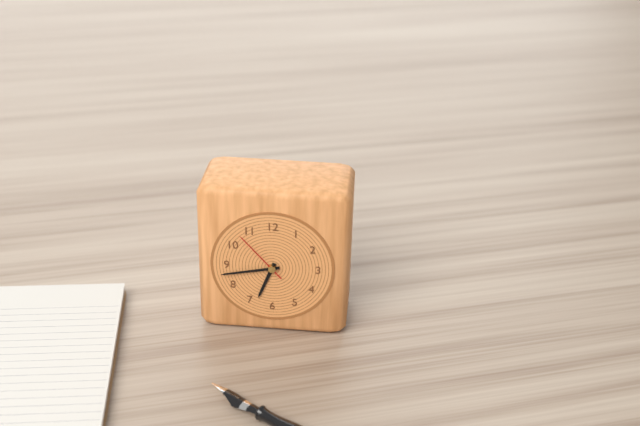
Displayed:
6.43.53
